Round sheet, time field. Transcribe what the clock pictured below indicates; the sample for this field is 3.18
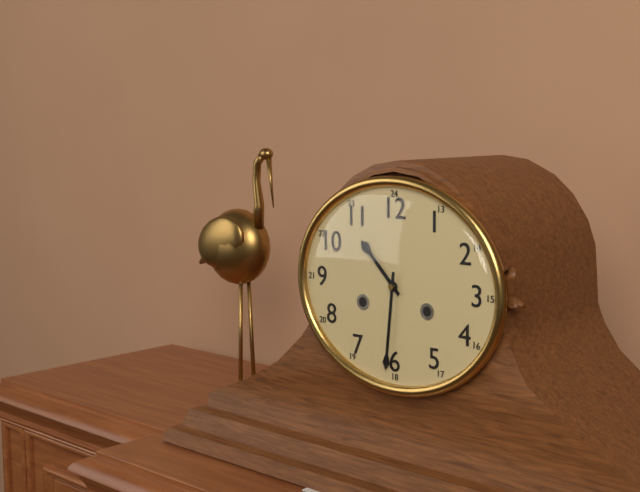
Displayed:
10.31
